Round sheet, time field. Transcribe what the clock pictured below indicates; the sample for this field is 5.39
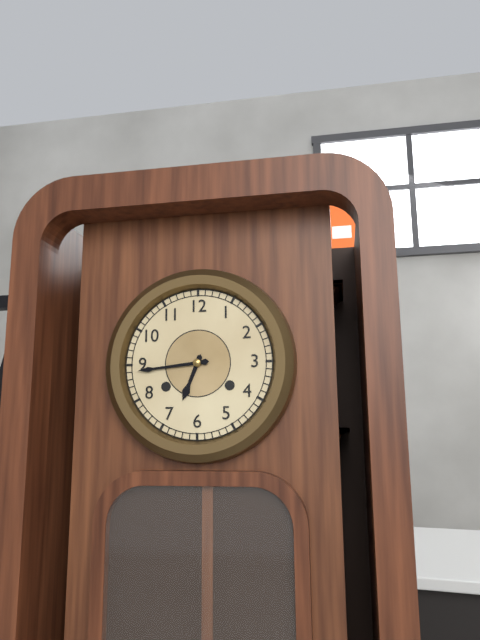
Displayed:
6.44
